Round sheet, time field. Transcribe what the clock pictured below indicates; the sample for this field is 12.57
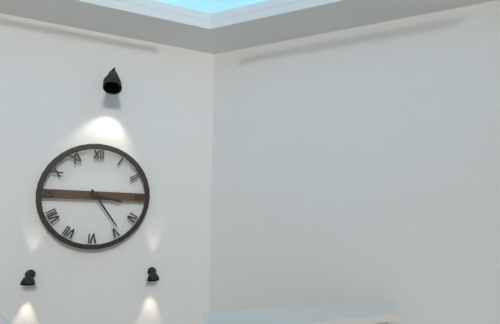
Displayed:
3.24
